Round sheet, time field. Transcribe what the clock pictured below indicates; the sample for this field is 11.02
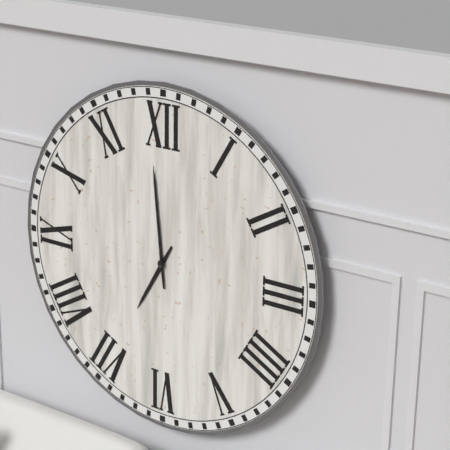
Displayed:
6.59
